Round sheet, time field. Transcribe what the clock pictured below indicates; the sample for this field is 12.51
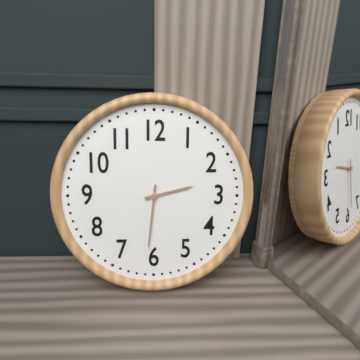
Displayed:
2.31
